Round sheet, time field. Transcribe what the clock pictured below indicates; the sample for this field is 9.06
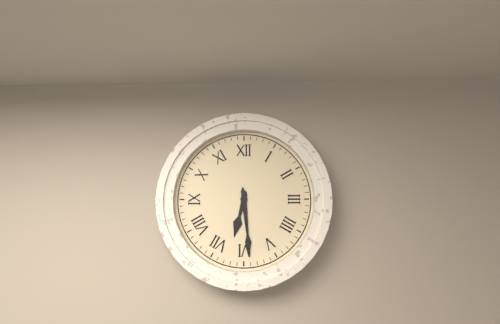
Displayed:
6.29
